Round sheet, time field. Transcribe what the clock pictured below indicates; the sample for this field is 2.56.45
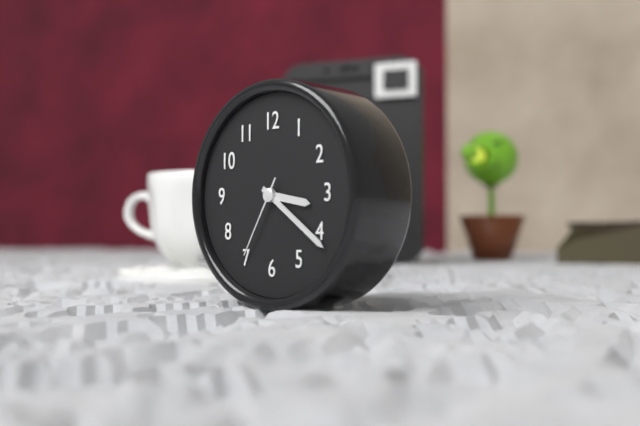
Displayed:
3.21.35
